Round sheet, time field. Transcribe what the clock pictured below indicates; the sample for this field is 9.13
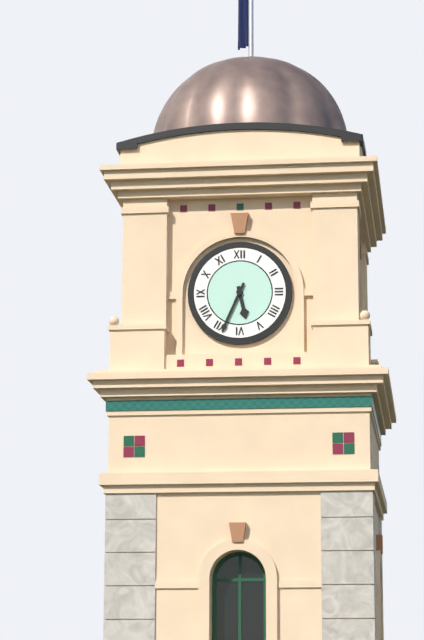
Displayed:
5.34
